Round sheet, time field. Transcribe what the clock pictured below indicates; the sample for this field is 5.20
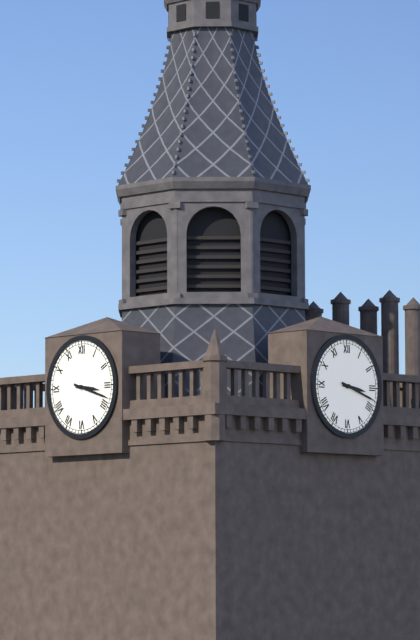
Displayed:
3.18
